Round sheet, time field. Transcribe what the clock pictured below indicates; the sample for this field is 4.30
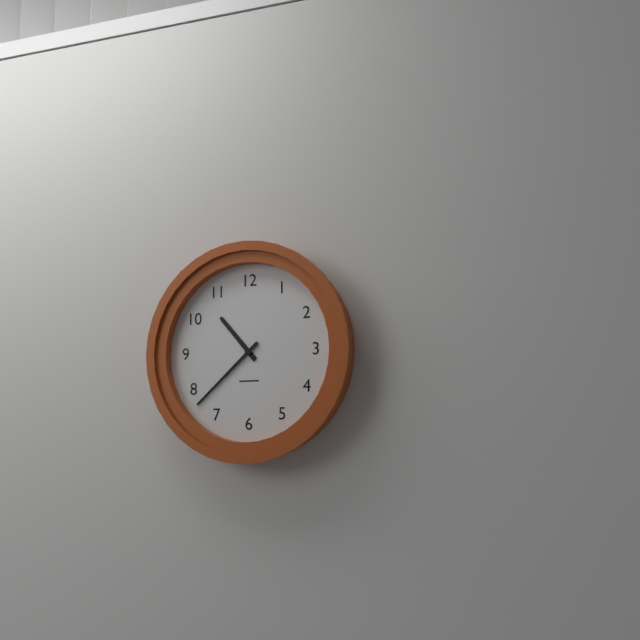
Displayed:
10.38
